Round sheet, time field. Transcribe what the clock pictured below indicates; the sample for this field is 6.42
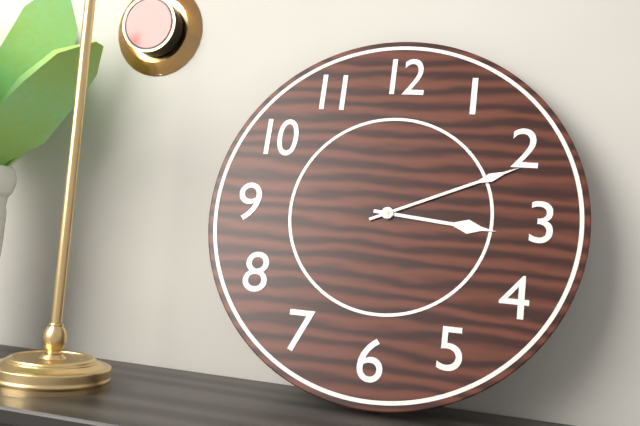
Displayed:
3.11
